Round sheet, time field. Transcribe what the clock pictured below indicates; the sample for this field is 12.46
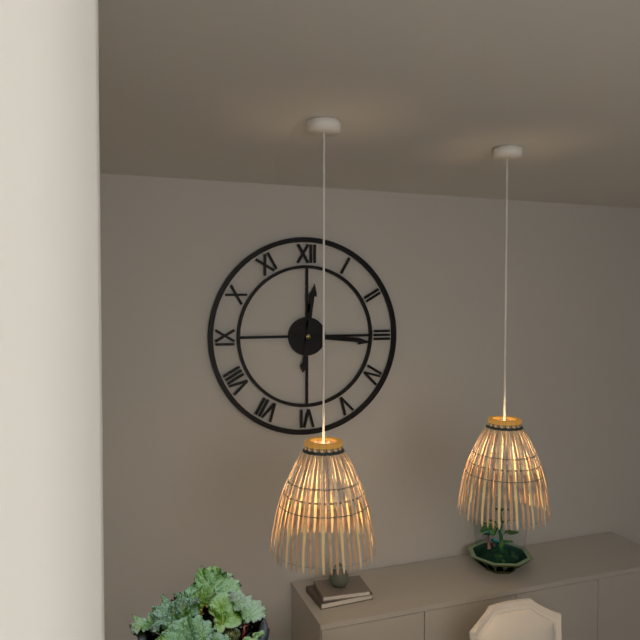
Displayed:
12.16
